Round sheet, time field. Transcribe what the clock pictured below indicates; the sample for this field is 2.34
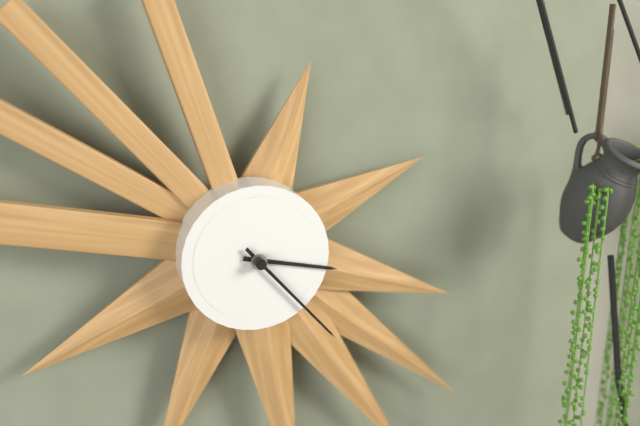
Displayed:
3.23
